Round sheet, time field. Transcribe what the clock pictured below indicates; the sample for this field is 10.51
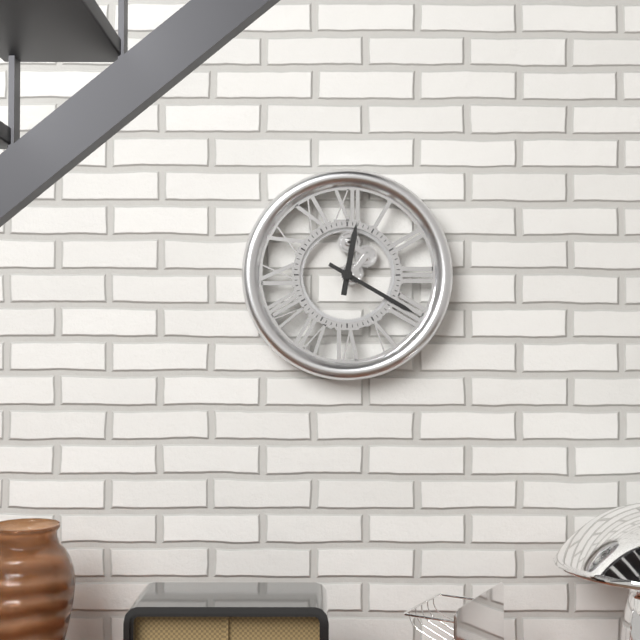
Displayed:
12.20
